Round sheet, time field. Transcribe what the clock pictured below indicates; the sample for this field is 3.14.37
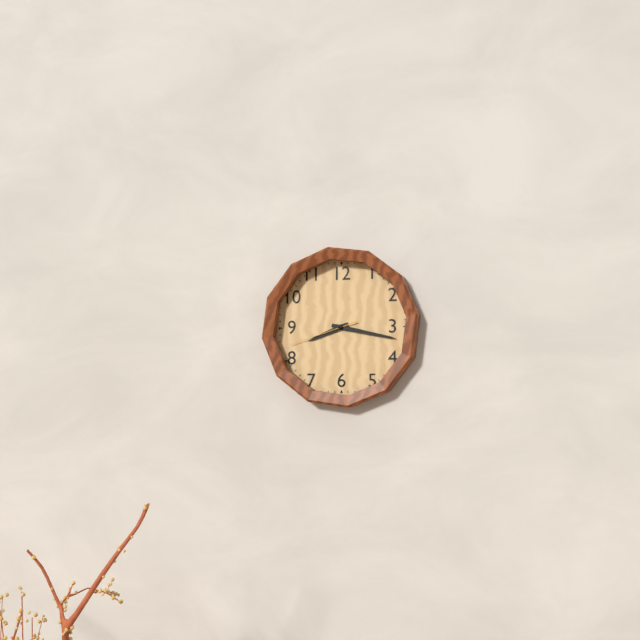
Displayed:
8.17.42
